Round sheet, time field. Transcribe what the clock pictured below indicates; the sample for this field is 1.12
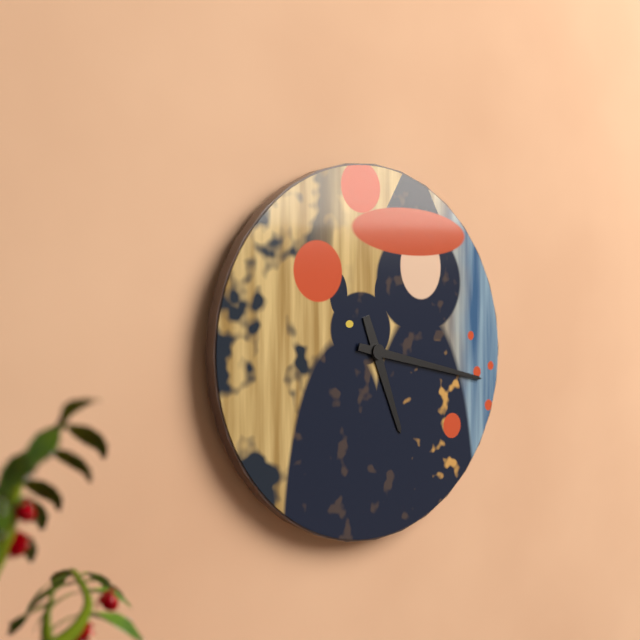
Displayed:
5.17
